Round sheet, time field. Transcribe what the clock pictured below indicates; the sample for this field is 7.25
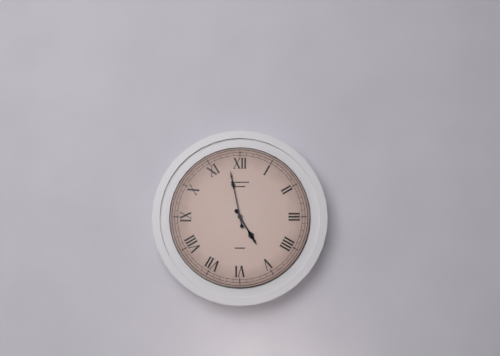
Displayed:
4.58
